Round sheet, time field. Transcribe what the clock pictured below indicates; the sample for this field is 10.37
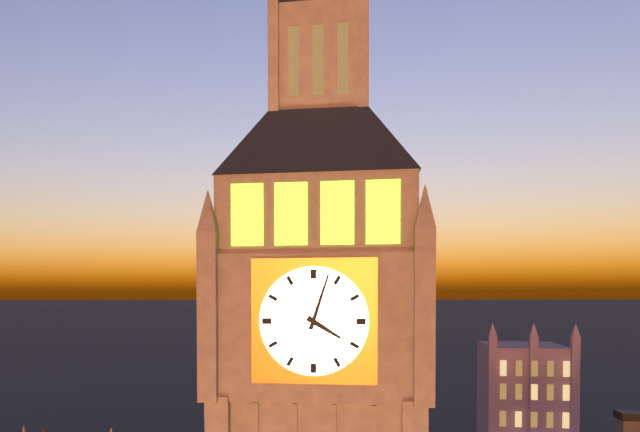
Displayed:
4.03
